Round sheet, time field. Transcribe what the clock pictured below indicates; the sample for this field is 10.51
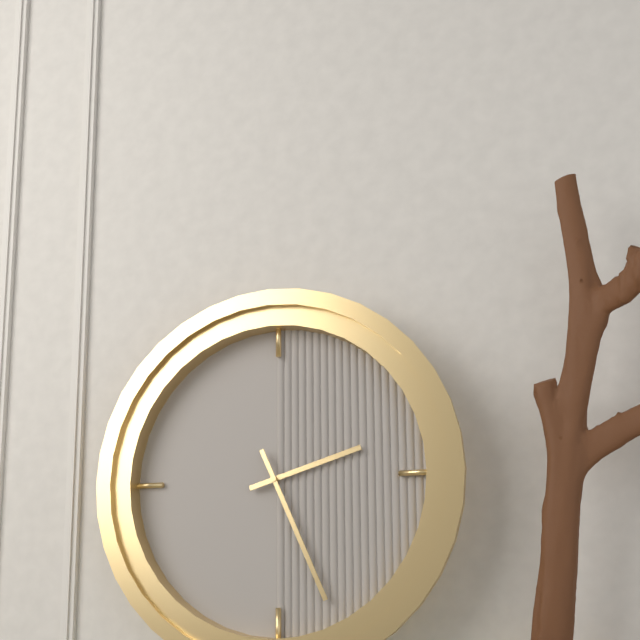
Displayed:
2.26
